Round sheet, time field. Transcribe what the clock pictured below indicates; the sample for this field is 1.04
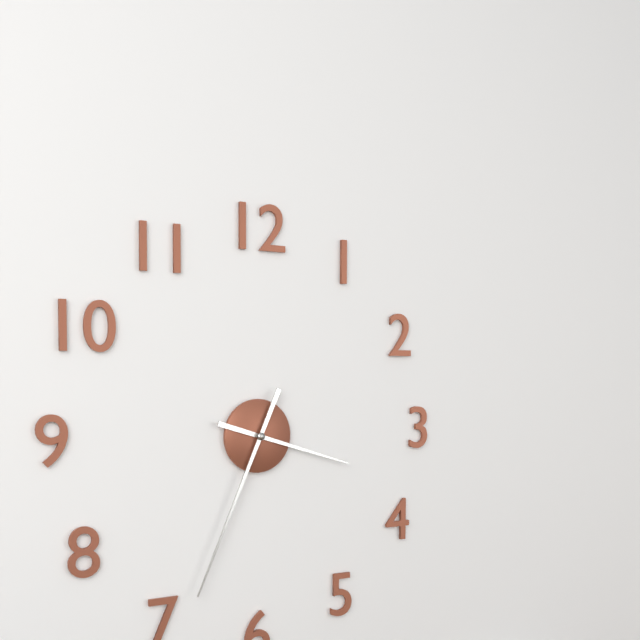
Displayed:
3.34
